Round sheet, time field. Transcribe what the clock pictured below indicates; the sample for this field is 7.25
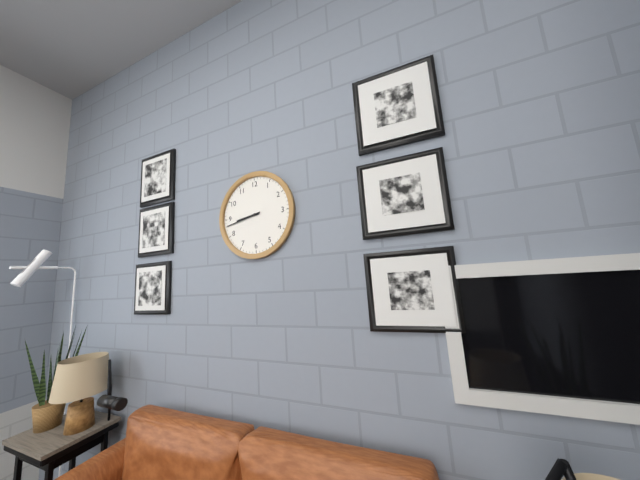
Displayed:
8.43
